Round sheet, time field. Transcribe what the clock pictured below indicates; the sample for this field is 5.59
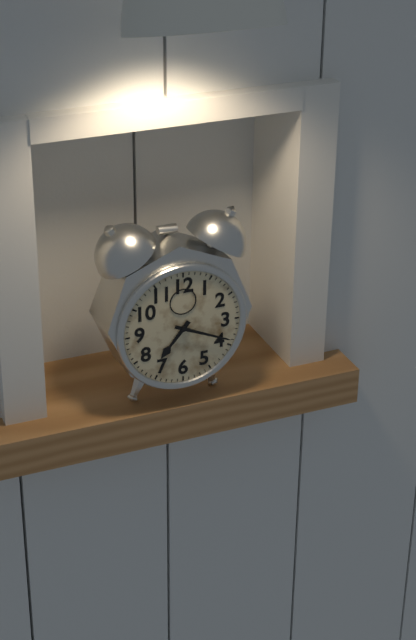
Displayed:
7.19
